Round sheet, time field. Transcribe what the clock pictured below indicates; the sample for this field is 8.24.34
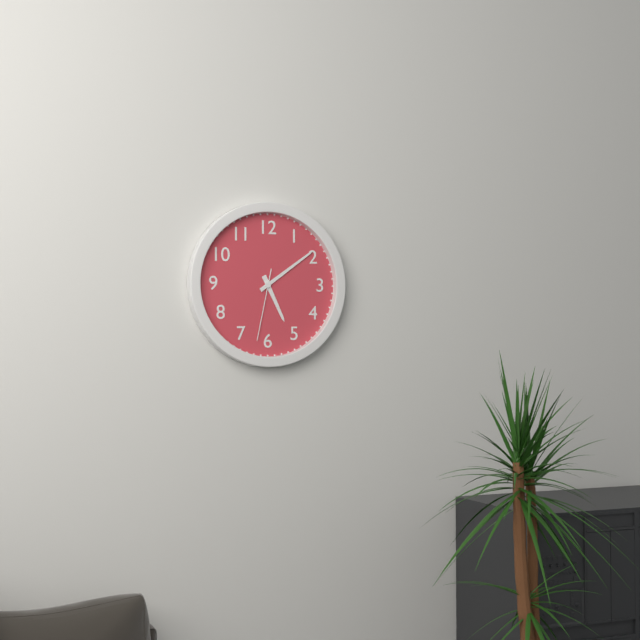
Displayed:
5.09.32
